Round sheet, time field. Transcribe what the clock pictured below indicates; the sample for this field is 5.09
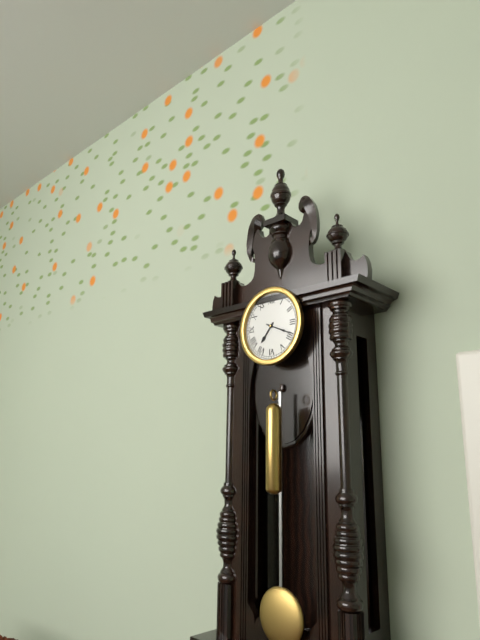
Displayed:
7.19
